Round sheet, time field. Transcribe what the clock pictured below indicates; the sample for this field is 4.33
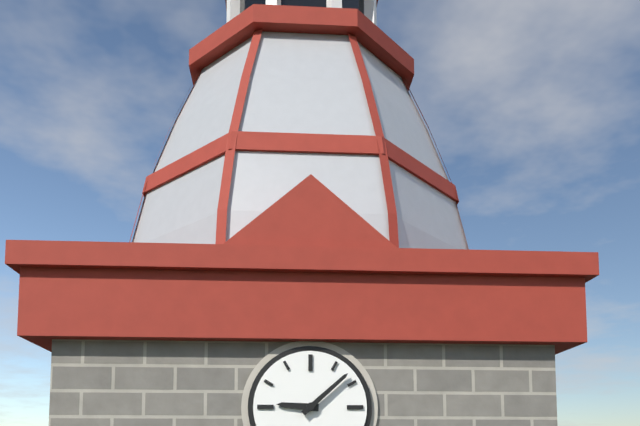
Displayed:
9.08
